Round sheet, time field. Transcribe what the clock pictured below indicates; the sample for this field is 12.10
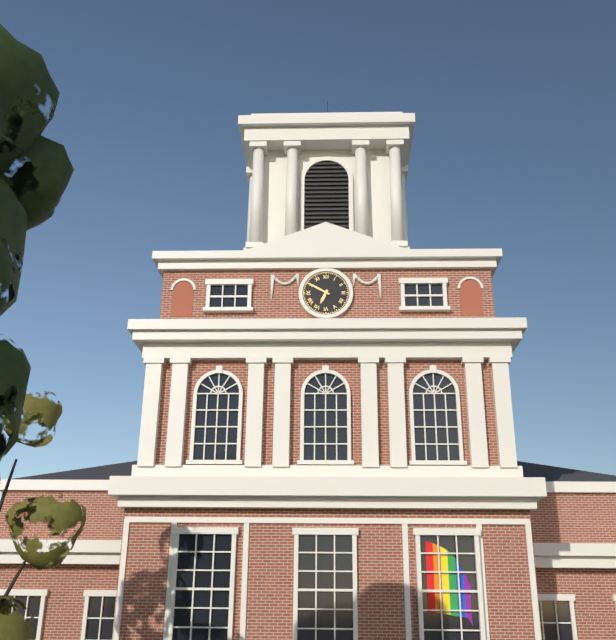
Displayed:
6.50
